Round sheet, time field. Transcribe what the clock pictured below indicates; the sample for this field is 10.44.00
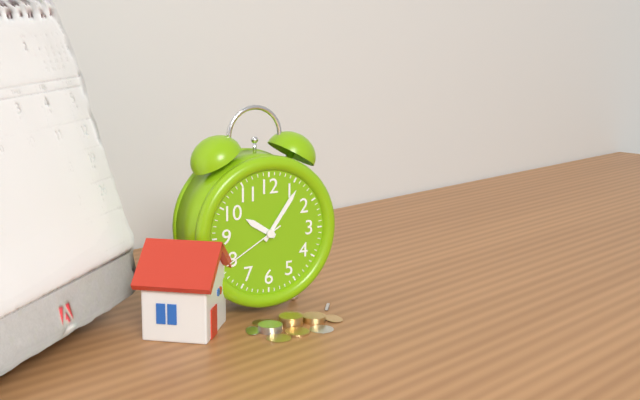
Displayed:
10.06.40
